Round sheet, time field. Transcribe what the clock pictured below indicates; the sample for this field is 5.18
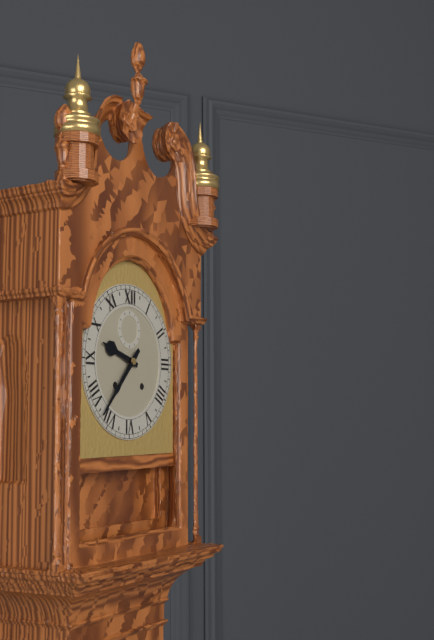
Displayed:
9.37
